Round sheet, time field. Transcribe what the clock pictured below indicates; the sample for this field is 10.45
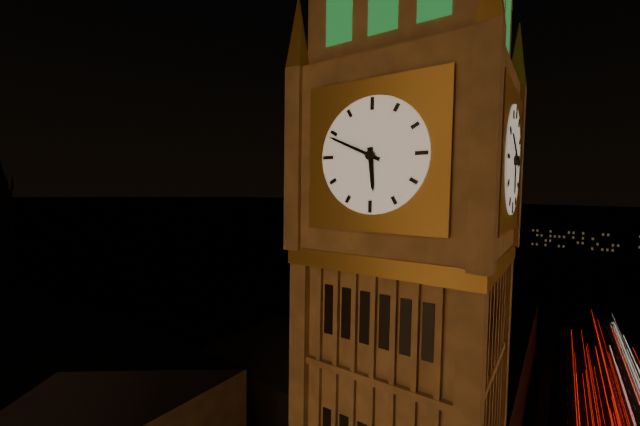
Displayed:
5.49
